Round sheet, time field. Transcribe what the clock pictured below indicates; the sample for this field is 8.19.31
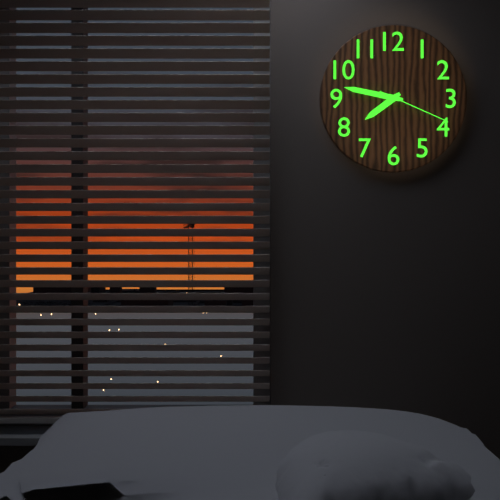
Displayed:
7.47.19
